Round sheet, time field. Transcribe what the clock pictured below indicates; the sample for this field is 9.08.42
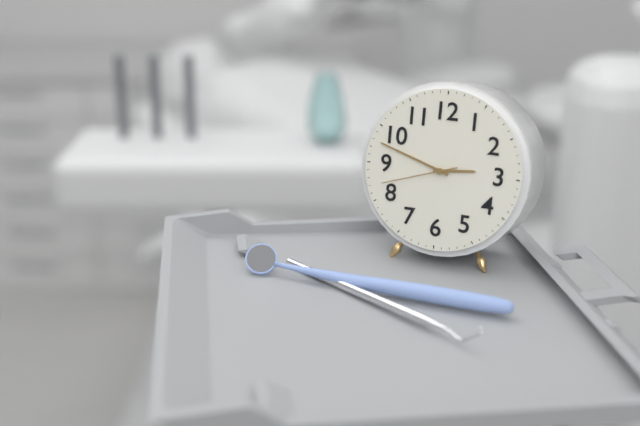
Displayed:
2.48.42
